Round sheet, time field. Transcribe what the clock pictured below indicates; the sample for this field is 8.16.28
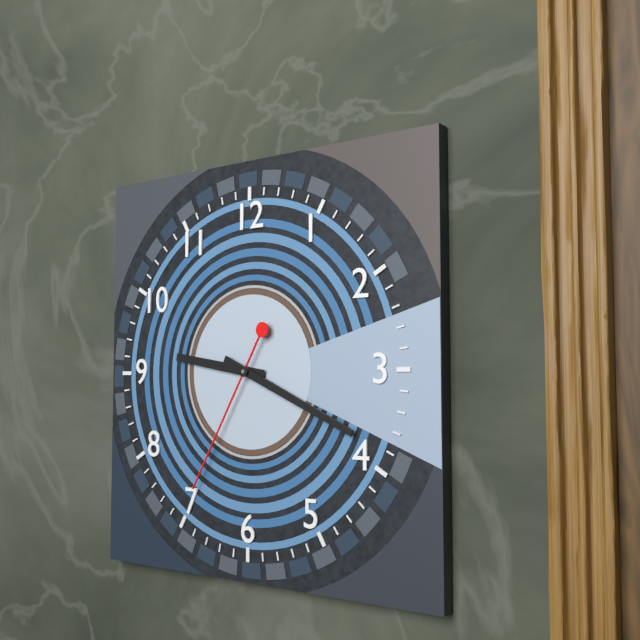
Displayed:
9.19.35
